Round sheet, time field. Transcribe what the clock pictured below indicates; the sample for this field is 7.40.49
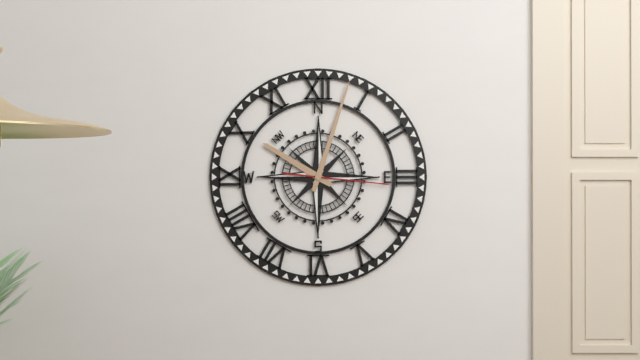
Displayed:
10.03.16
